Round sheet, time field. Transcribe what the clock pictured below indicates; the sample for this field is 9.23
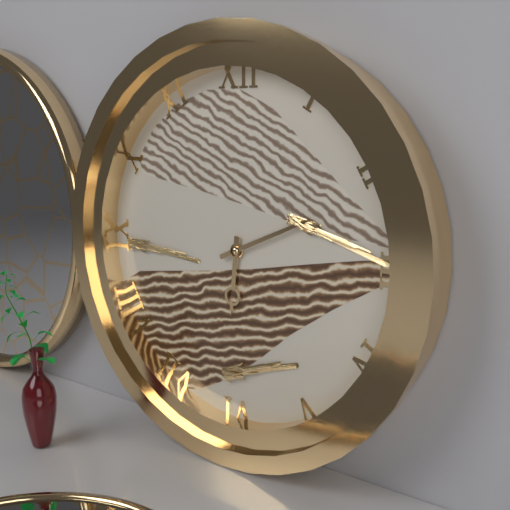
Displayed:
6.11
